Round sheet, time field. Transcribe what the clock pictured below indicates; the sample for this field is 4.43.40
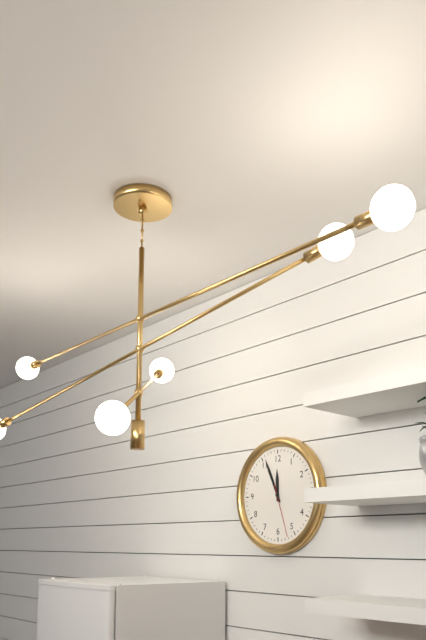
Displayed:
11.56.27
